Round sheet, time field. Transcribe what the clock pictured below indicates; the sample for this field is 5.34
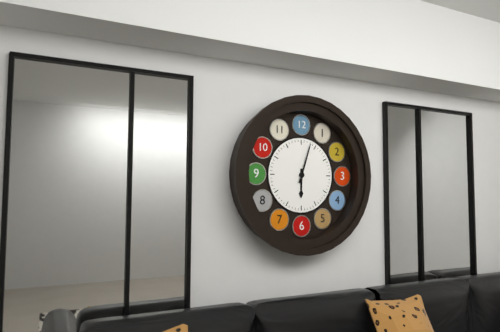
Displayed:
6.03
